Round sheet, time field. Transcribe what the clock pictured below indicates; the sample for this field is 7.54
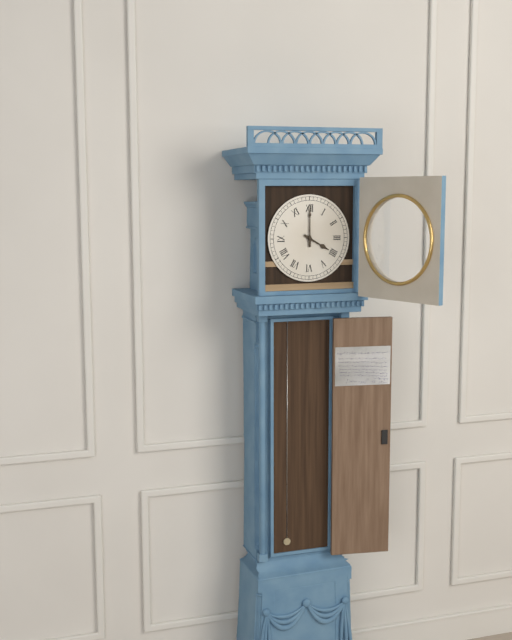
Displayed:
4.00
